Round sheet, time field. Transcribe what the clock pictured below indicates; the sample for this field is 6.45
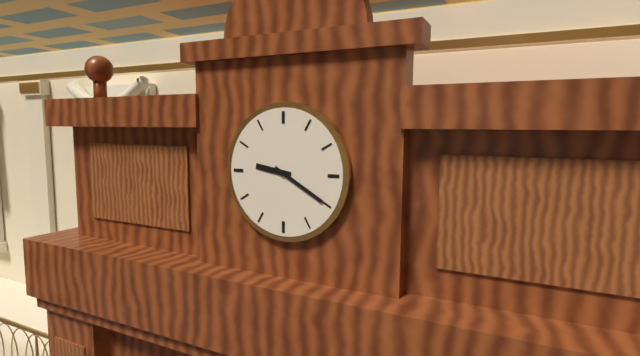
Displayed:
9.20
